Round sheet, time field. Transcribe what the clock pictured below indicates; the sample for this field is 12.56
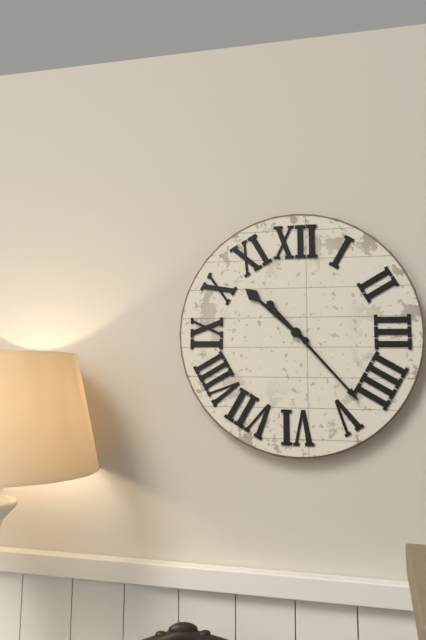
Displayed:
10.23
